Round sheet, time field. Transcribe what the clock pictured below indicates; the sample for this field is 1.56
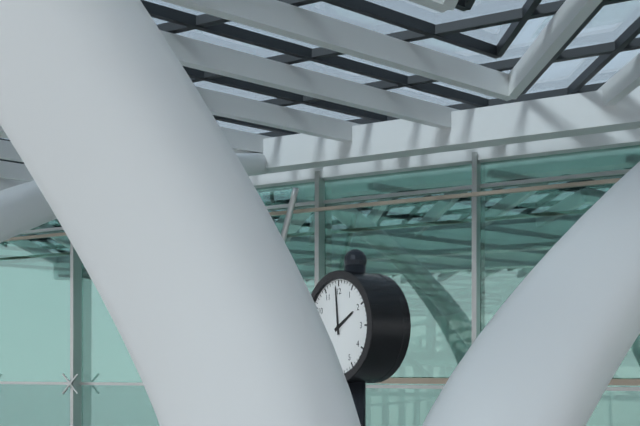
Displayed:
1.59
